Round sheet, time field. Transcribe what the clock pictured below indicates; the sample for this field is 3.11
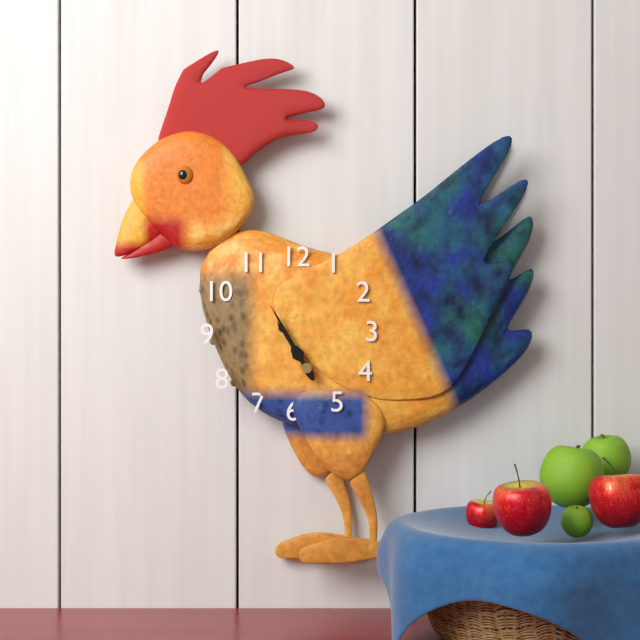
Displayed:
10.55
